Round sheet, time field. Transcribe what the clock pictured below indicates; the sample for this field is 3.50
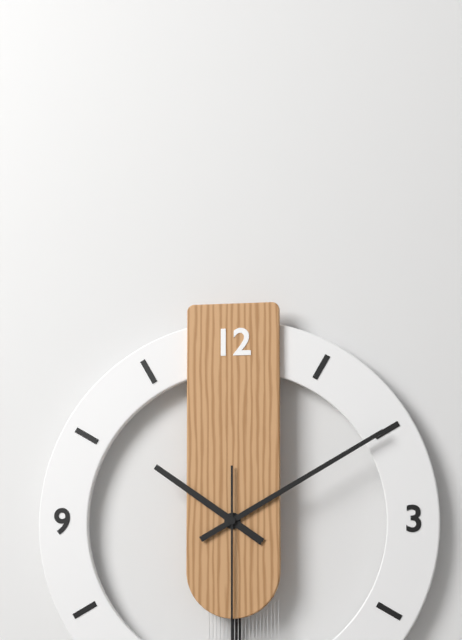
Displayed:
10.10
